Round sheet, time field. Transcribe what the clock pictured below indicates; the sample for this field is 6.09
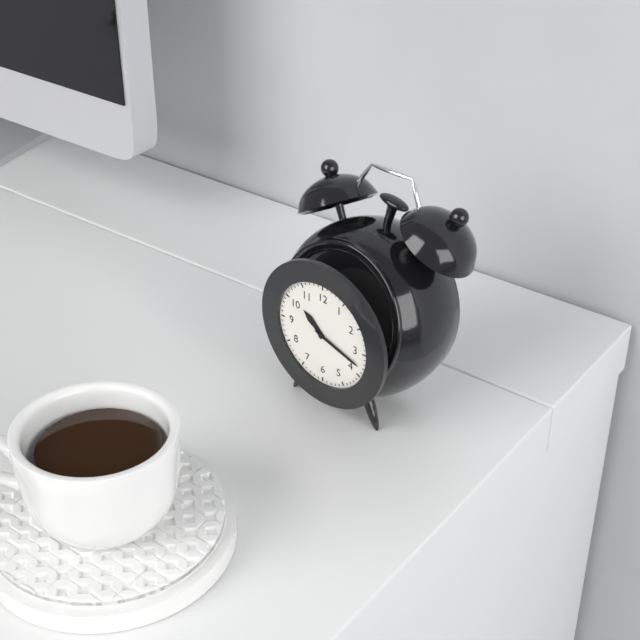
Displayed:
10.18
